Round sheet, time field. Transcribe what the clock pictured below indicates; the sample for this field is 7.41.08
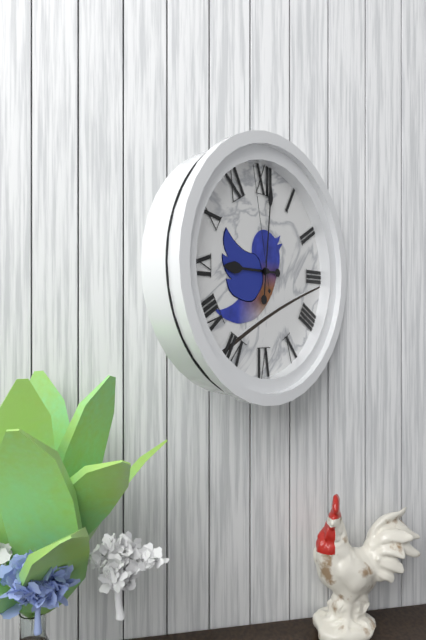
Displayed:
9.01.58
